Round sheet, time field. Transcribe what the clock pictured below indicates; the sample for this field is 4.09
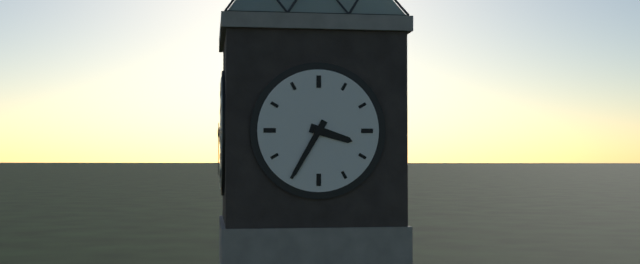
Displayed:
3.35
